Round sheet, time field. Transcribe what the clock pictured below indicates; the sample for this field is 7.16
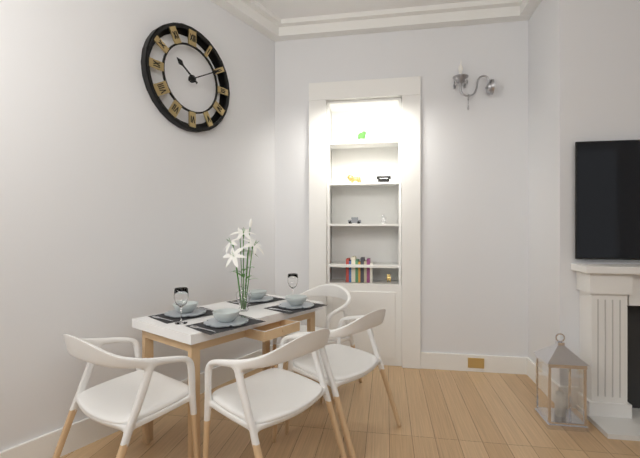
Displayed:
10.10
